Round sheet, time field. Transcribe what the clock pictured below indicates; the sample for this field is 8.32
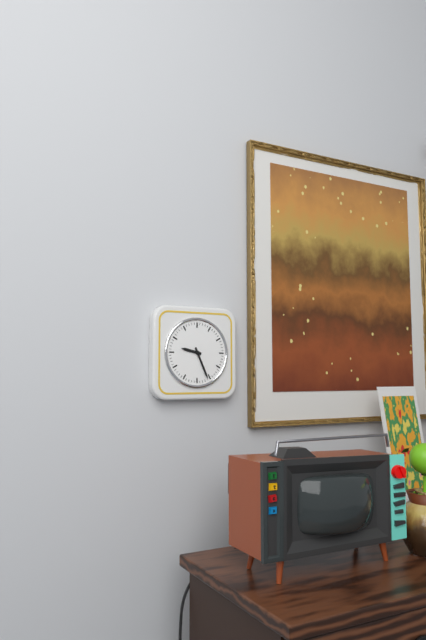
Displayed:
9.26
